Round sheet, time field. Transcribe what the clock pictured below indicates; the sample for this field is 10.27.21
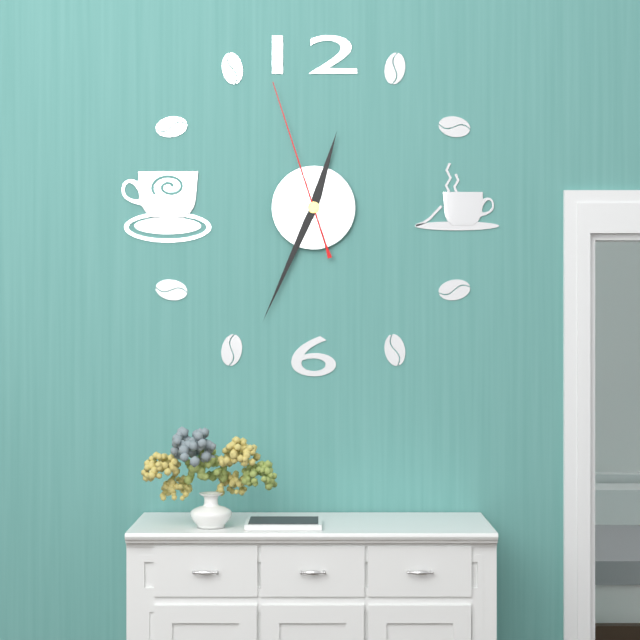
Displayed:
12.34.57
